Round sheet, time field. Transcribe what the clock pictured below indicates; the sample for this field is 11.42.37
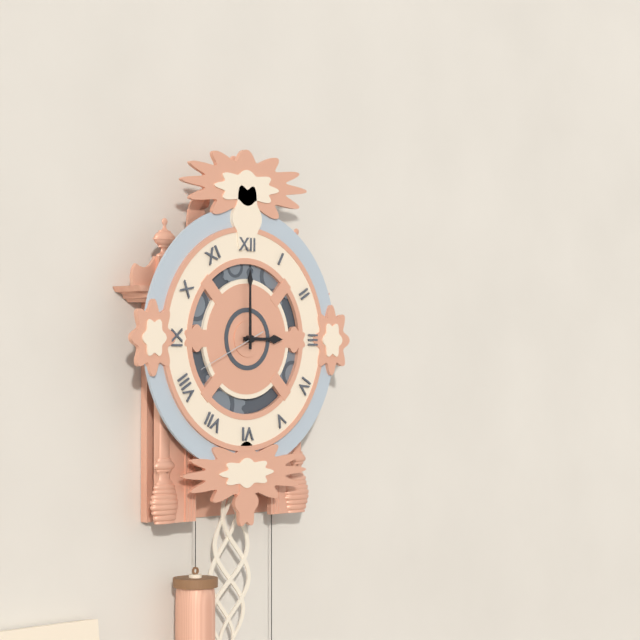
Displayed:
3.00.41
